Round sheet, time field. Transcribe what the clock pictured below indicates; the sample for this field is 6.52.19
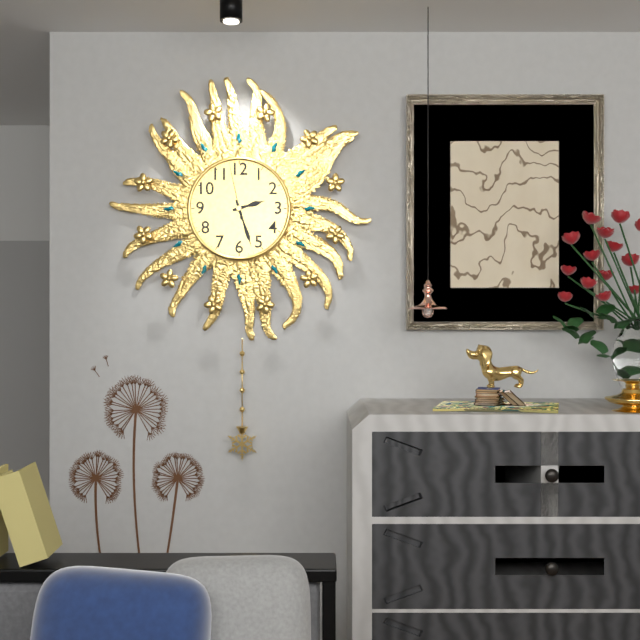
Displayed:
2.27.58
